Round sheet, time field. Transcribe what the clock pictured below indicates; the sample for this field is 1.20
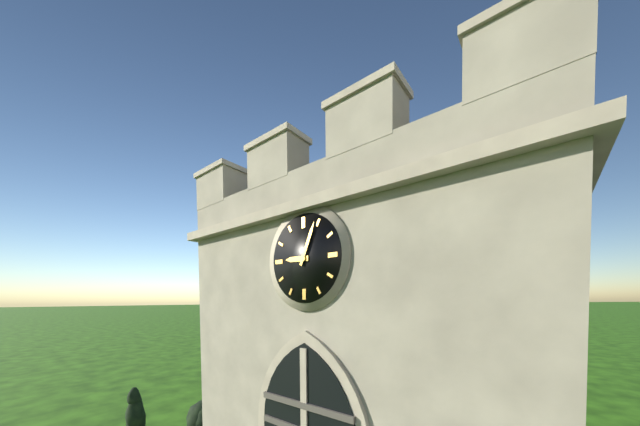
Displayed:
9.04
